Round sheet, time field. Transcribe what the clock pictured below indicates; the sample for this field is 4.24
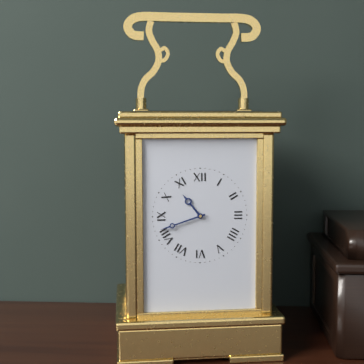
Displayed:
10.42
